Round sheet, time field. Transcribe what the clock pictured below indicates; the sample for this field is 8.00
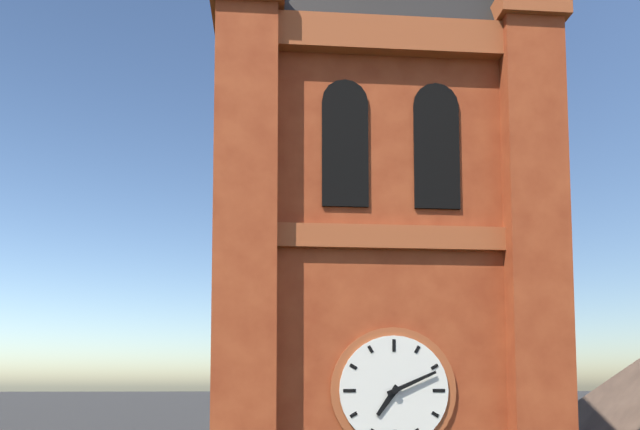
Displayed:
7.11
